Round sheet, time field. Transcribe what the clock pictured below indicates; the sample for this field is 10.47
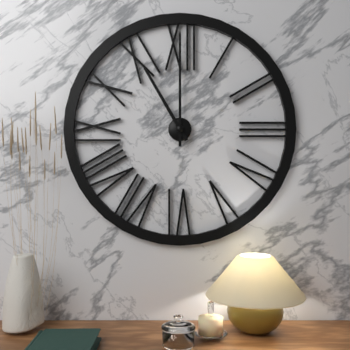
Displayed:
11.00
